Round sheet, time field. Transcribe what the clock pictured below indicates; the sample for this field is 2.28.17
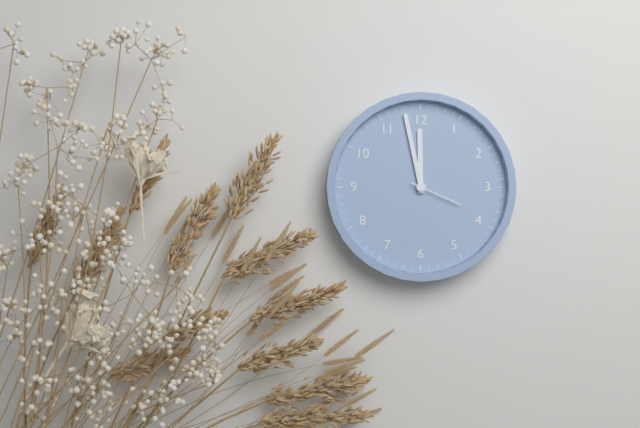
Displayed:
11.58.19
